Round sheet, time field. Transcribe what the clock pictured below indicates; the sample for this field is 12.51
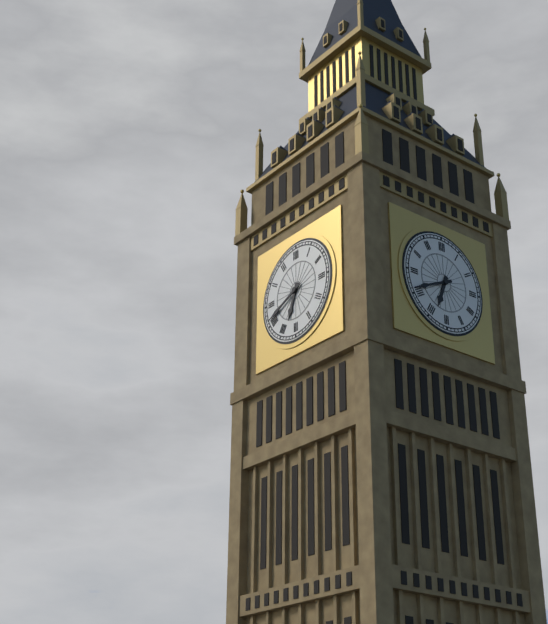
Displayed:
6.41
